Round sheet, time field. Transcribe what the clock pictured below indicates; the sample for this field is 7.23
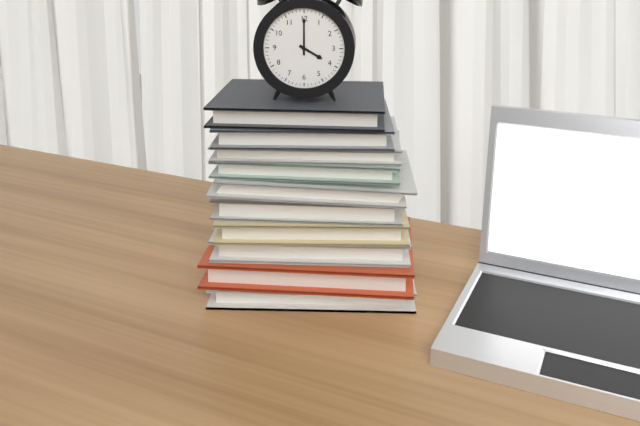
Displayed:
4.00
